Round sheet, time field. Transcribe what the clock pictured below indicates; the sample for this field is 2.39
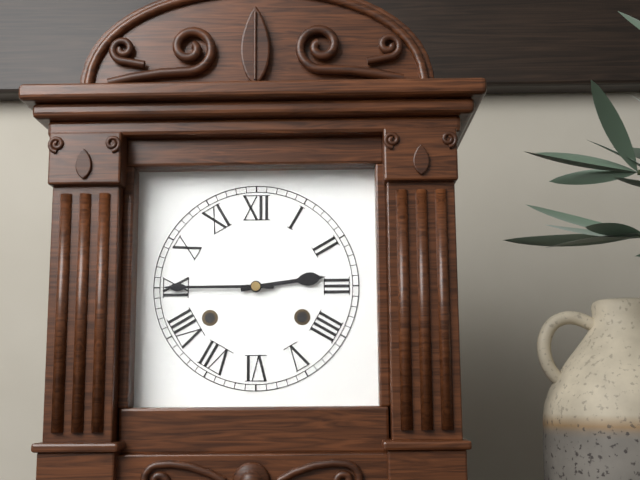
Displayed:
2.45
